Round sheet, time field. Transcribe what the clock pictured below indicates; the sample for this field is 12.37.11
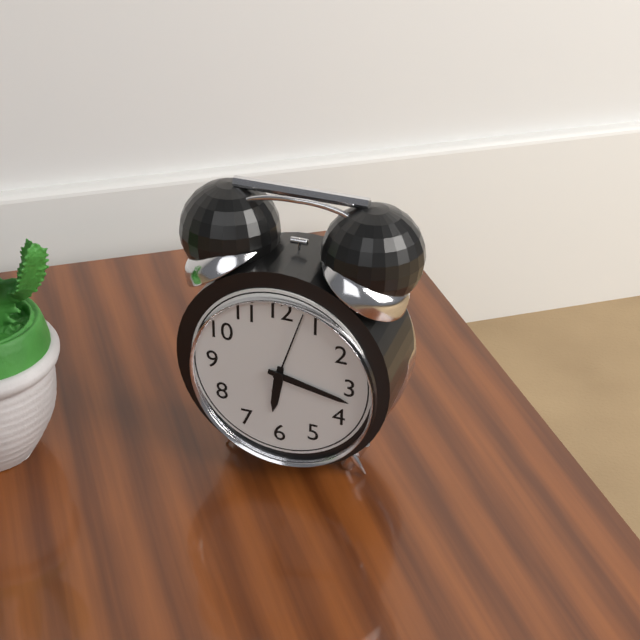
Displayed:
6.17.03
